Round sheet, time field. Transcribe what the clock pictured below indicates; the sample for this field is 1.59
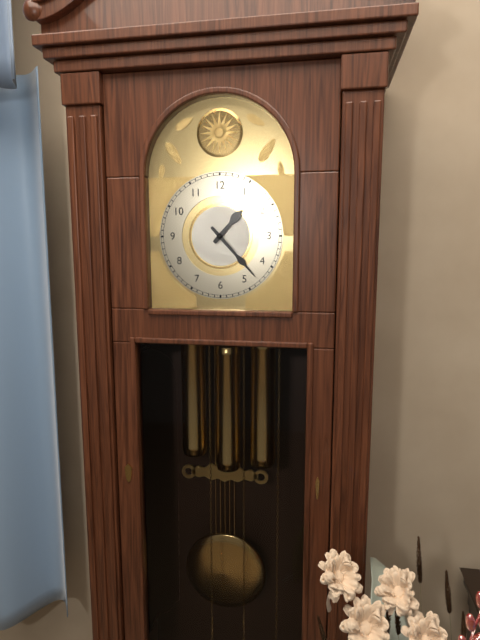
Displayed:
1.23
